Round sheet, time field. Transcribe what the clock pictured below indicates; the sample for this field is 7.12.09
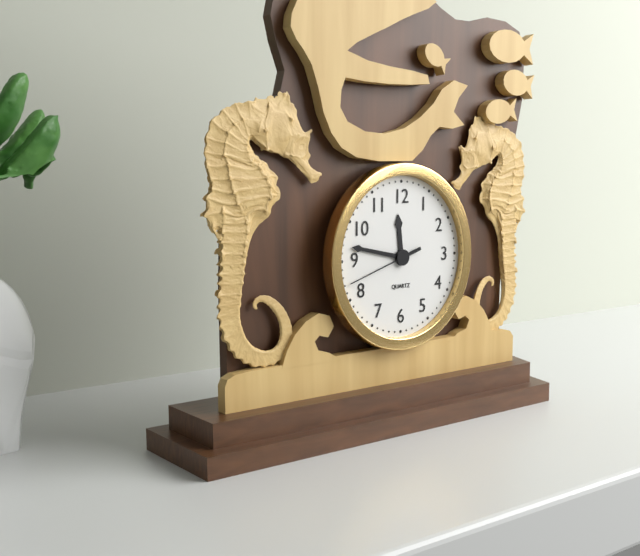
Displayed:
11.47.42
